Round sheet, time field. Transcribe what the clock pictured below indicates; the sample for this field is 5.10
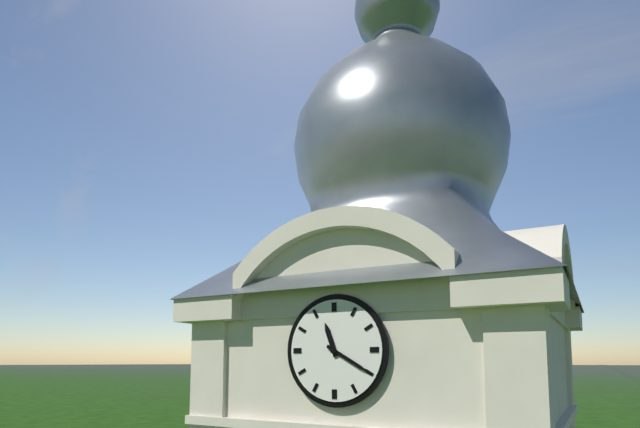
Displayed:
11.20
